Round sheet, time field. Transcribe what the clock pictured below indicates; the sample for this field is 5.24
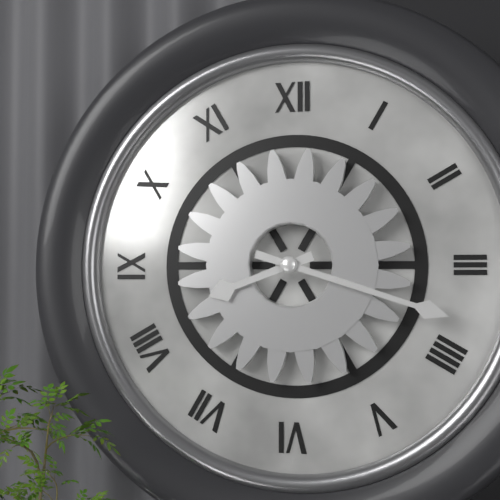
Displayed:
8.18
